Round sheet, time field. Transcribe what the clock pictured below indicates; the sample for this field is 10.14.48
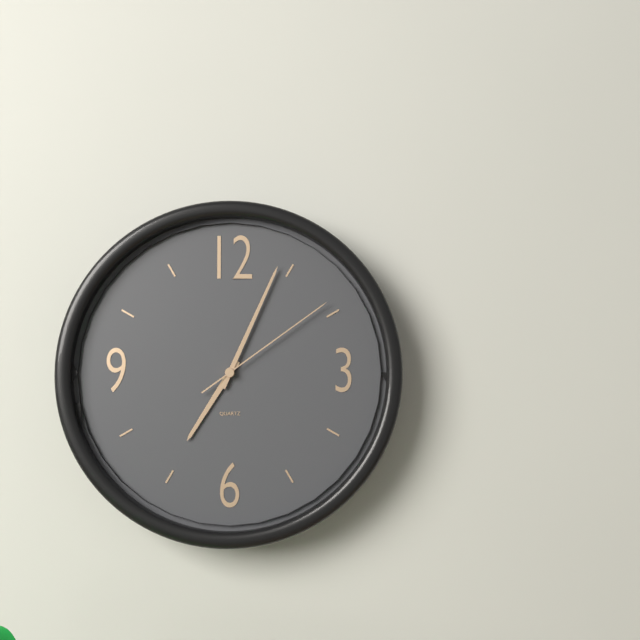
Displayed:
7.04.09
